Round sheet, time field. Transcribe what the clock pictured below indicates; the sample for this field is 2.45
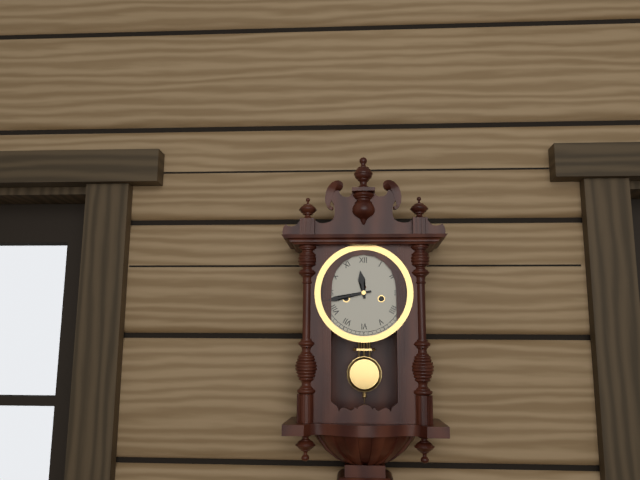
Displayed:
11.43
